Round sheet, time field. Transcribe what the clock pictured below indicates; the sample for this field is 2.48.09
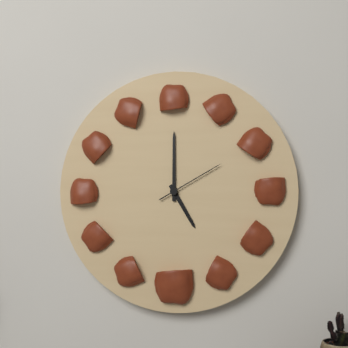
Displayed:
5.00.10
